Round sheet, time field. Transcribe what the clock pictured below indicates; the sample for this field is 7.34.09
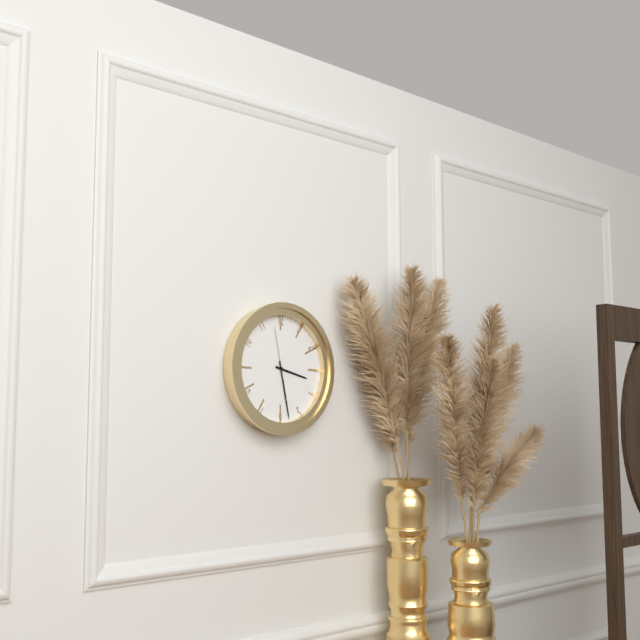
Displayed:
3.28.58
